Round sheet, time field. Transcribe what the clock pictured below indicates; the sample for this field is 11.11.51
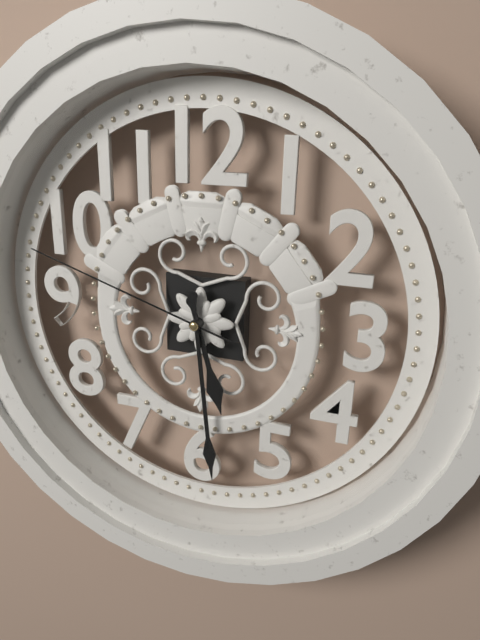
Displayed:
5.29.48
